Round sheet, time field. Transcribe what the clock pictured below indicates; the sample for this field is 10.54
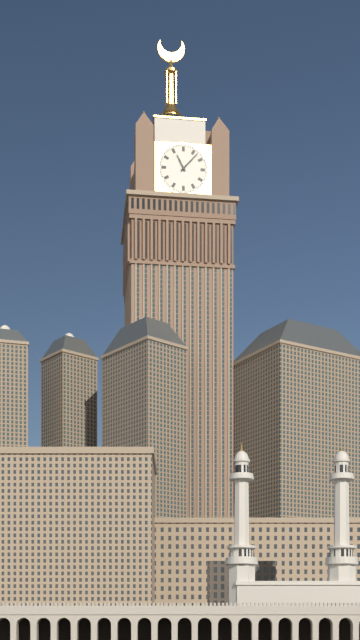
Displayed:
11.07
